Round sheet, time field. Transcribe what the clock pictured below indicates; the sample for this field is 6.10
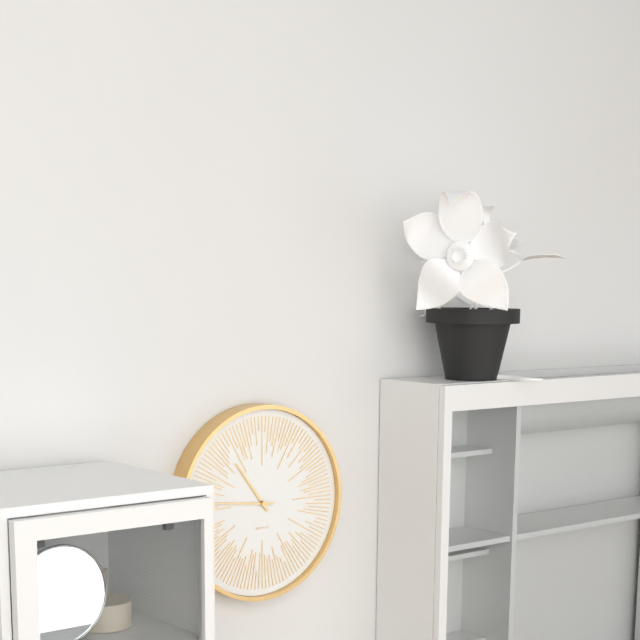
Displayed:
10.46
